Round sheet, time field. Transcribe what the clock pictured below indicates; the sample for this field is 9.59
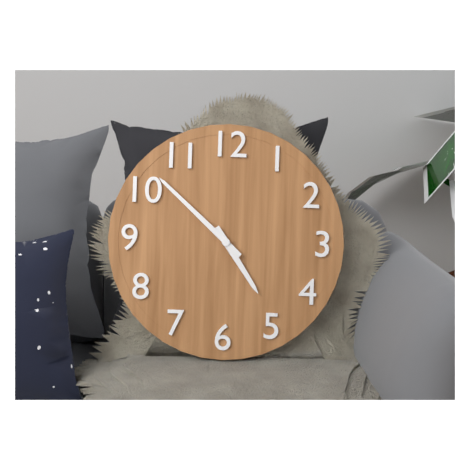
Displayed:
4.52
